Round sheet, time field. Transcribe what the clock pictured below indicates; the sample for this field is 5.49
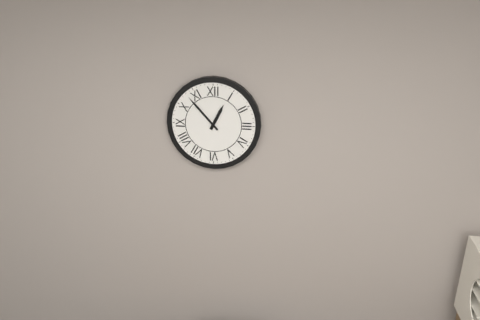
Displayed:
12.53
